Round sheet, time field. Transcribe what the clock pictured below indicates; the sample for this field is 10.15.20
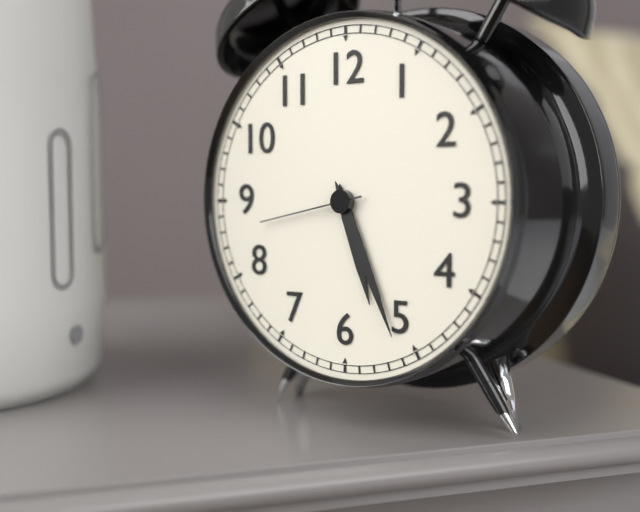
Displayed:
5.26.43
